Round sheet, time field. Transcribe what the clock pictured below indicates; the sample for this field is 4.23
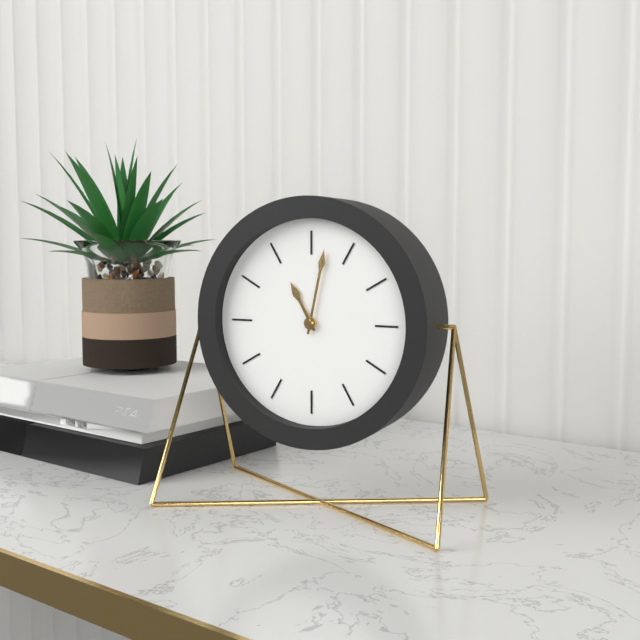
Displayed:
11.02
